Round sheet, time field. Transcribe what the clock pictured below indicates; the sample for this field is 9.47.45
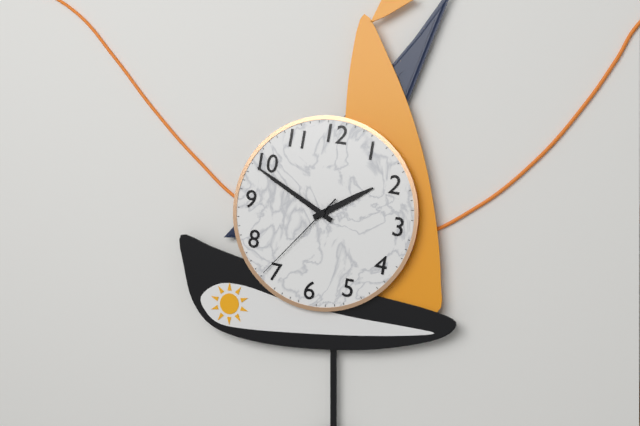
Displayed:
1.49.36
